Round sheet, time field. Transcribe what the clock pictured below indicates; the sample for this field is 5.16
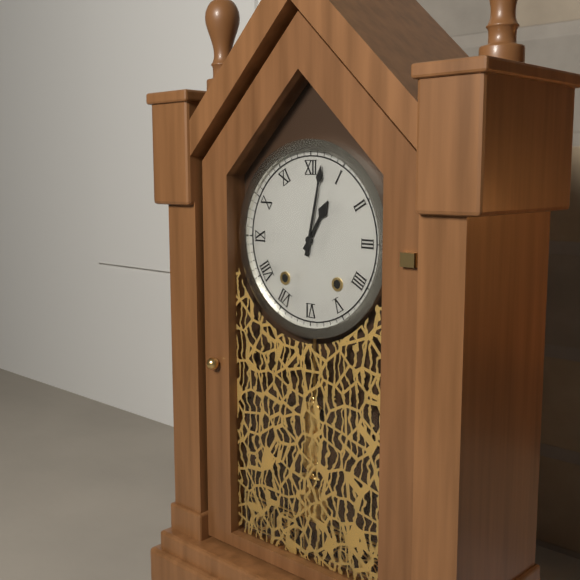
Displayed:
1.02
